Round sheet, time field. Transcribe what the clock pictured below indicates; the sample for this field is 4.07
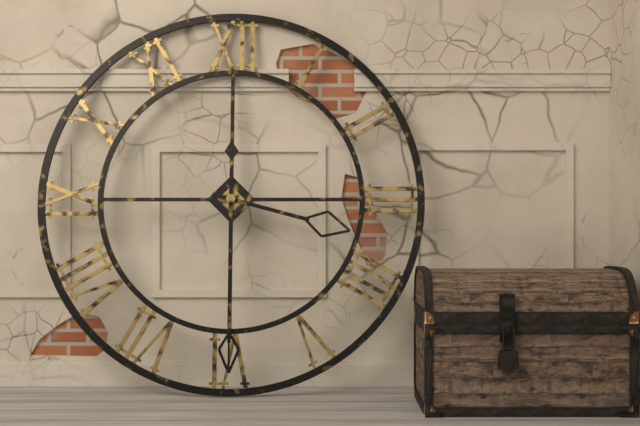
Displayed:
3.30
